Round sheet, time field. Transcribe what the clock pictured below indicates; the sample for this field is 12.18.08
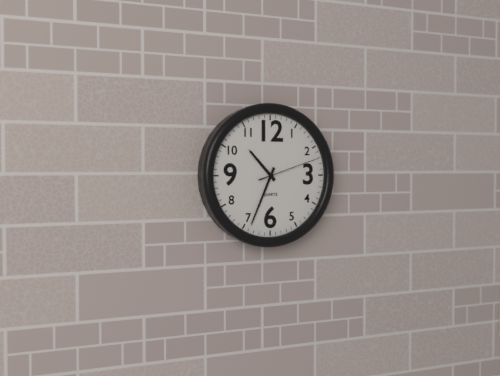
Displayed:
10.34.12
